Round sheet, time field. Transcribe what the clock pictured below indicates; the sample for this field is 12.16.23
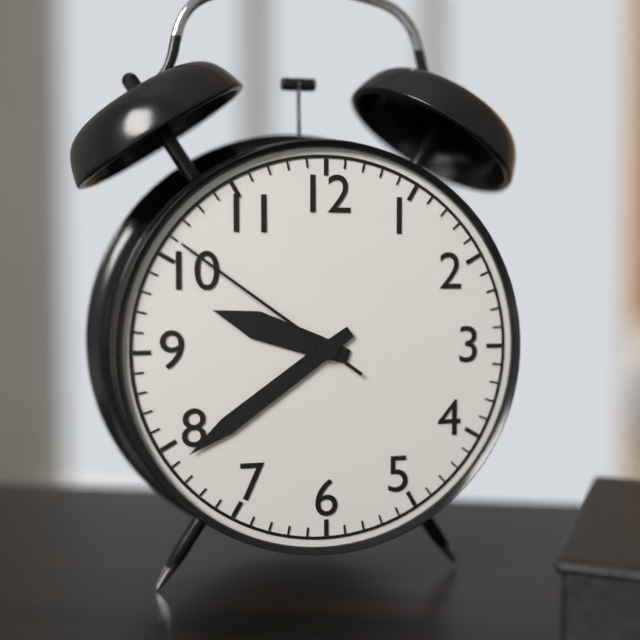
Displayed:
9.39.51
